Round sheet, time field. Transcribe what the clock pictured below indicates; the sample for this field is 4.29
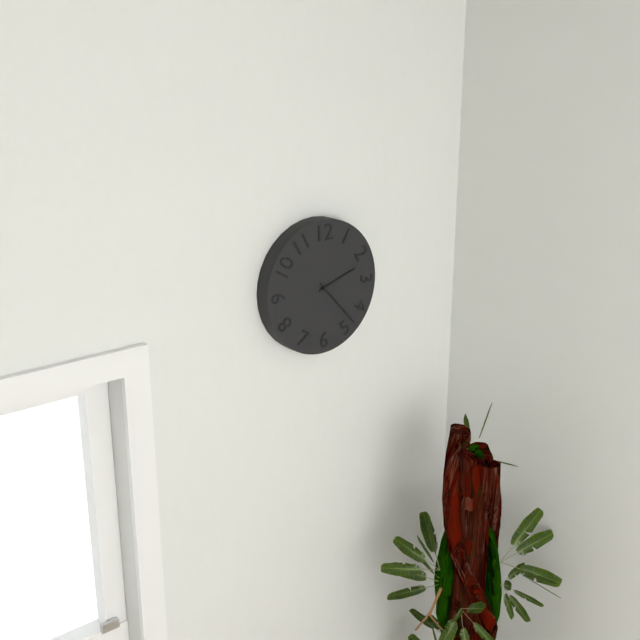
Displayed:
2.23
